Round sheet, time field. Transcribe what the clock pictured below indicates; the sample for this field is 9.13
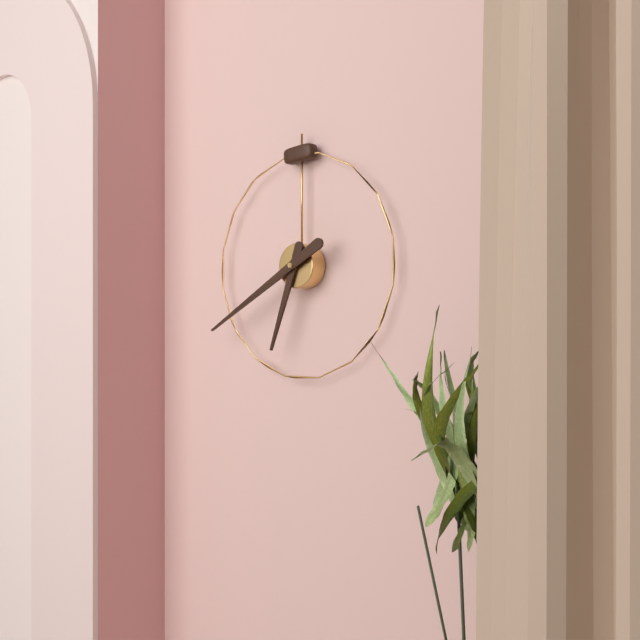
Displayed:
6.40
